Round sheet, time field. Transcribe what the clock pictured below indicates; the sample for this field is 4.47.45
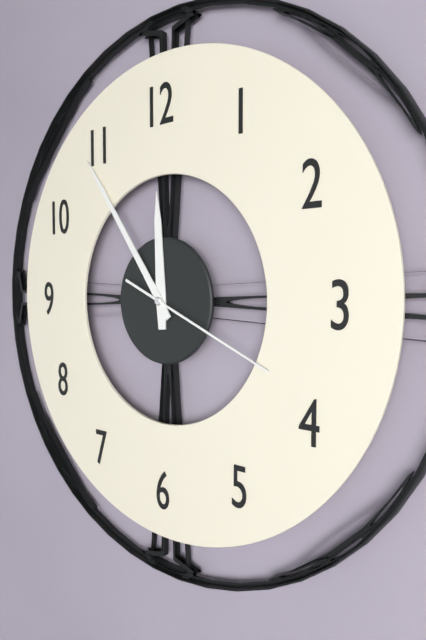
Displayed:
11.54.19
